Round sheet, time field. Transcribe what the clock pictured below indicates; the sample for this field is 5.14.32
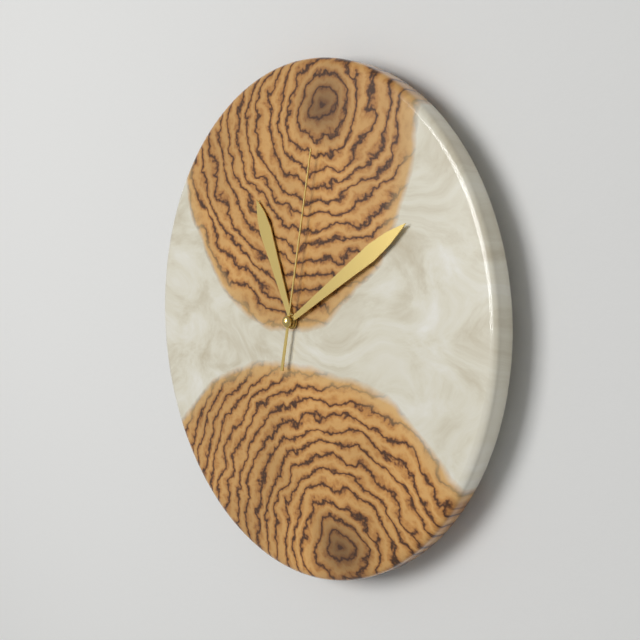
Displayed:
11.10.02
